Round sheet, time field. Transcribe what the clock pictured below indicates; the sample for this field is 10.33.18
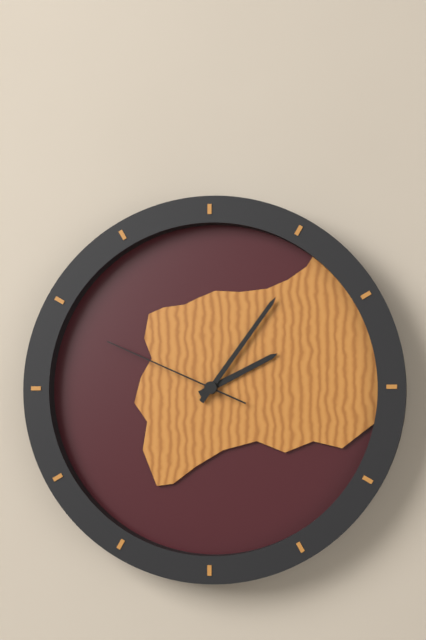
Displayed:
2.06.49
